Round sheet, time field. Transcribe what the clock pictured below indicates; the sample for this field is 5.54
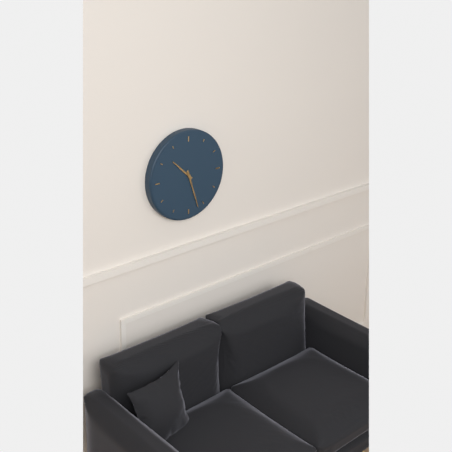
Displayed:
10.27
